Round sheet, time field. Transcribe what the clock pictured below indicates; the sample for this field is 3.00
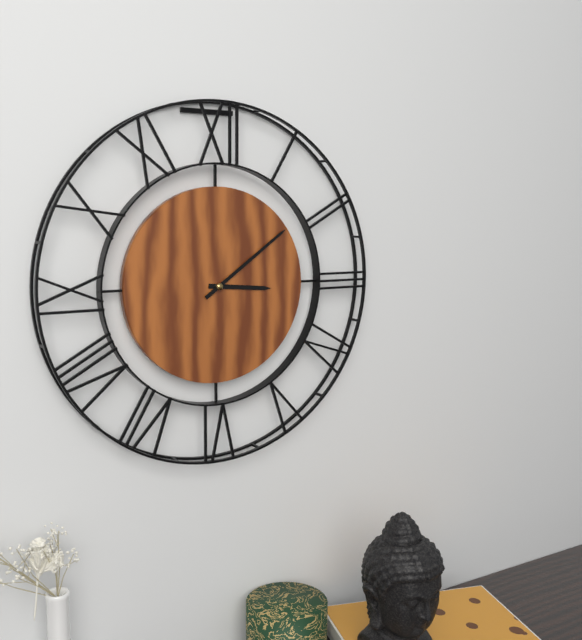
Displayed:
3.09
